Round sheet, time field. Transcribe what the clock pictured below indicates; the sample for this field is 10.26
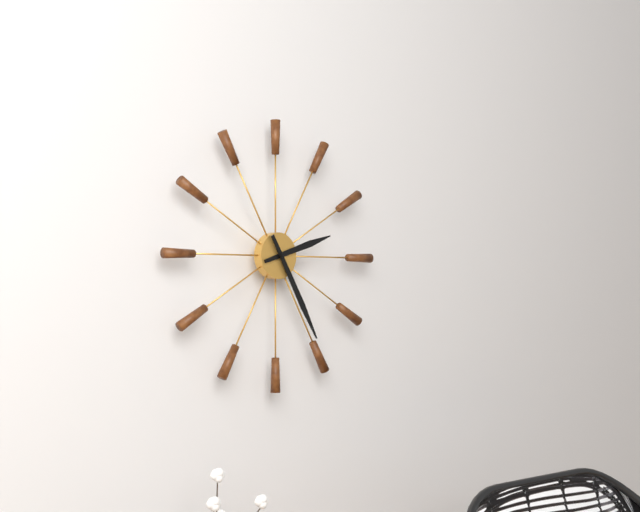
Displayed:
2.25
